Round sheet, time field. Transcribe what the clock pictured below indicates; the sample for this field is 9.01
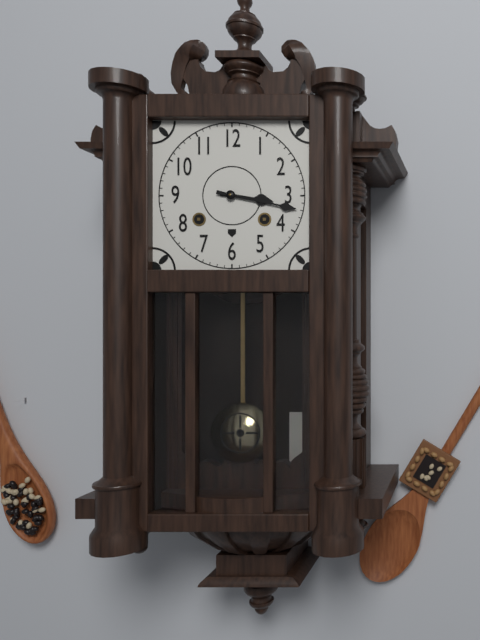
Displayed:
3.17
